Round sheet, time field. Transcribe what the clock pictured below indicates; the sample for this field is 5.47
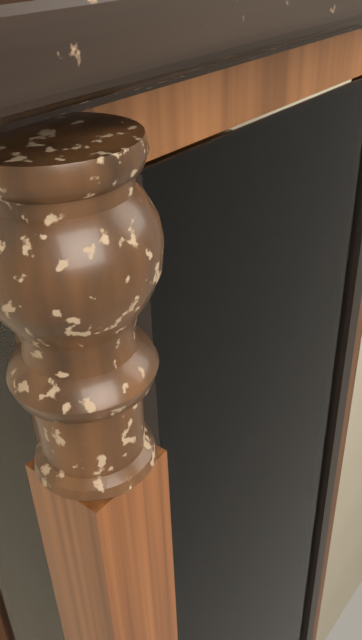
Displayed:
5.14
